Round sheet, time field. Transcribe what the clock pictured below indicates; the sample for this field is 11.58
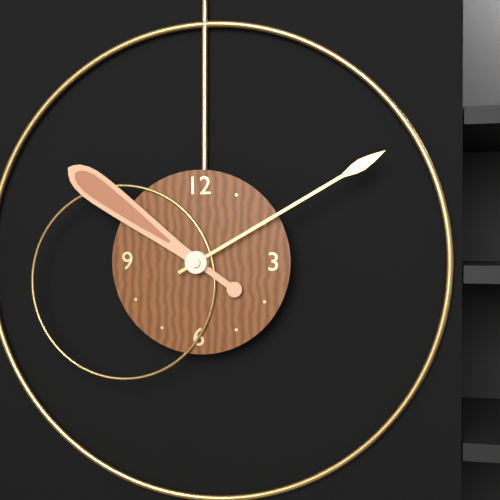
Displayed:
10.10
